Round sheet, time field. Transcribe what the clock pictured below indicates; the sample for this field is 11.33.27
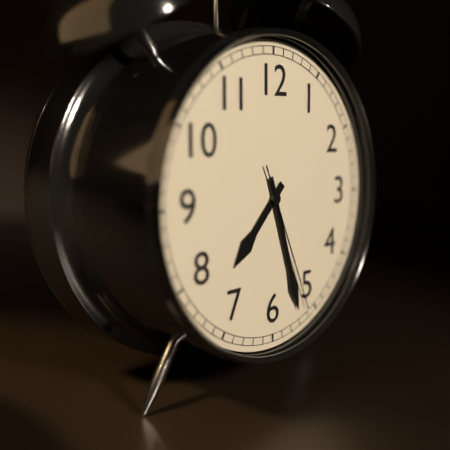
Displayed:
7.27.26
